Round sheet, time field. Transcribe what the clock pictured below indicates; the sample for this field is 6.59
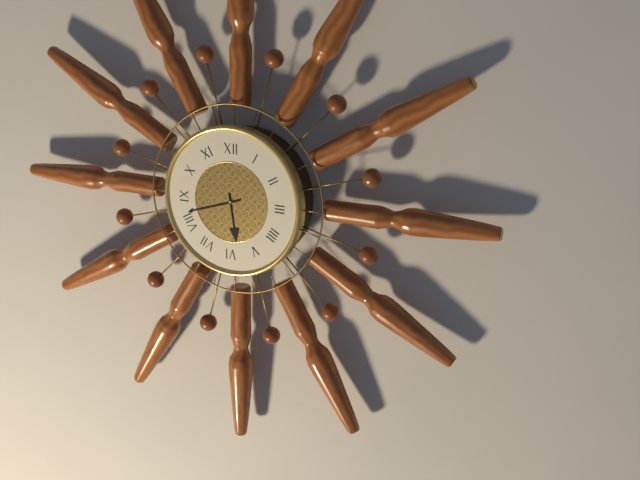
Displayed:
5.42
